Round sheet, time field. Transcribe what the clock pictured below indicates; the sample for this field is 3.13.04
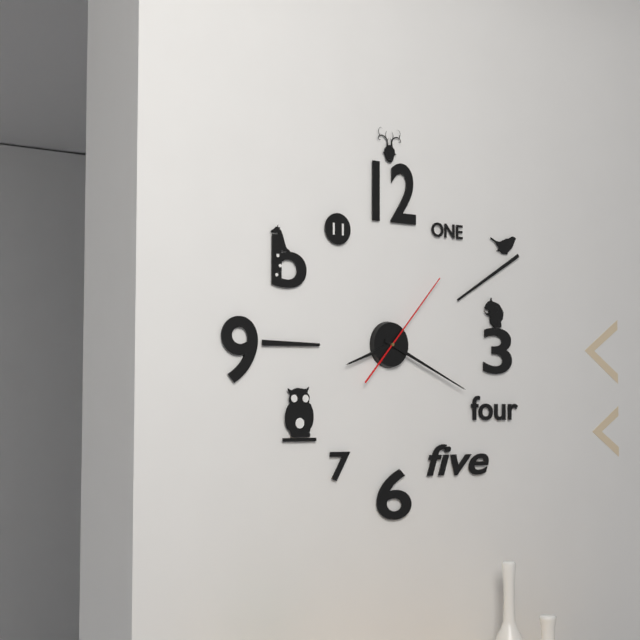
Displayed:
8.19.07
